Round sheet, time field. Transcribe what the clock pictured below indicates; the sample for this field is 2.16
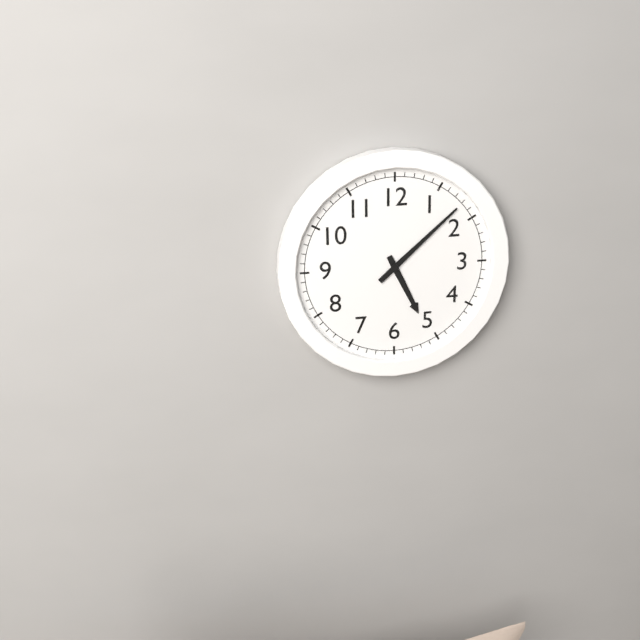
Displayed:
5.08
